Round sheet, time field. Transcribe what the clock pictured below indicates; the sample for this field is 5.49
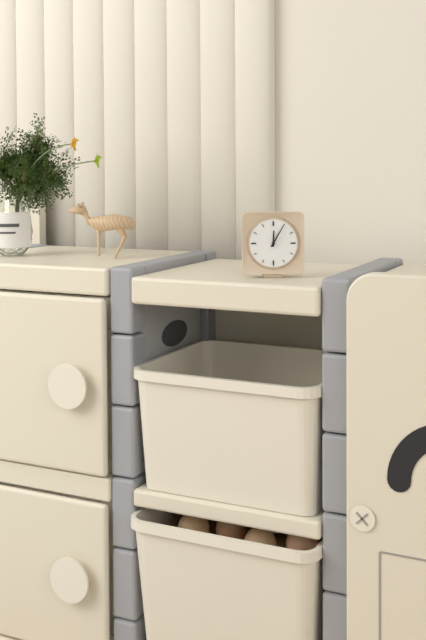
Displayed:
12.05
